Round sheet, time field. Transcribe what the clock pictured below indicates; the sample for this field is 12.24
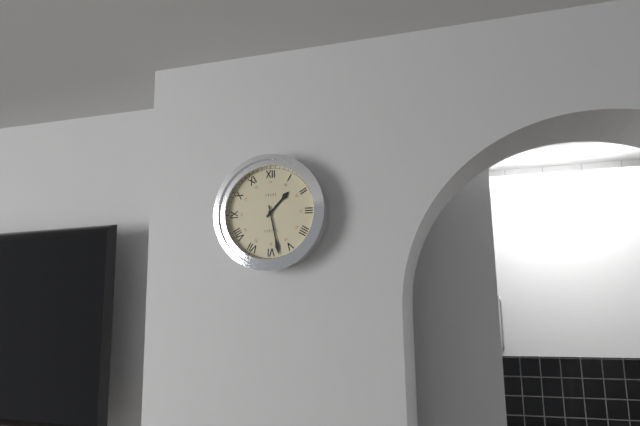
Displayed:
1.28
